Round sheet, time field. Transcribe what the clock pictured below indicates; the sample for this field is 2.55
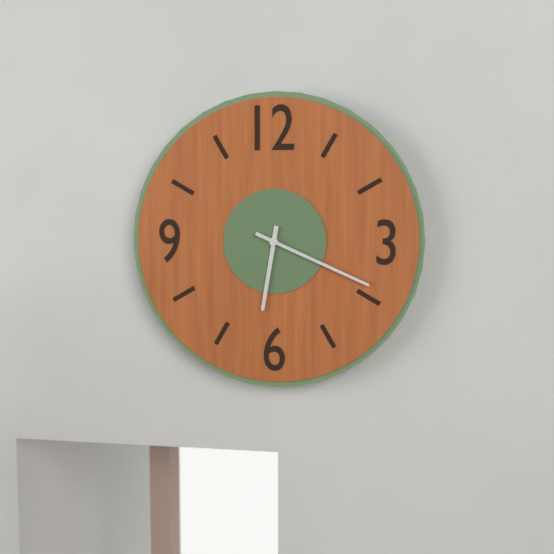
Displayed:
6.19
